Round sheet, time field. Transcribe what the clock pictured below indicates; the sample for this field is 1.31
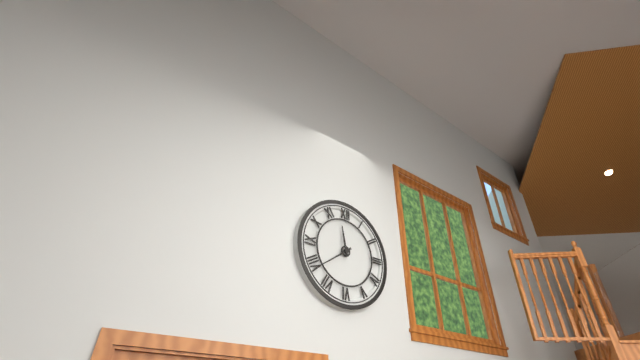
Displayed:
11.39
